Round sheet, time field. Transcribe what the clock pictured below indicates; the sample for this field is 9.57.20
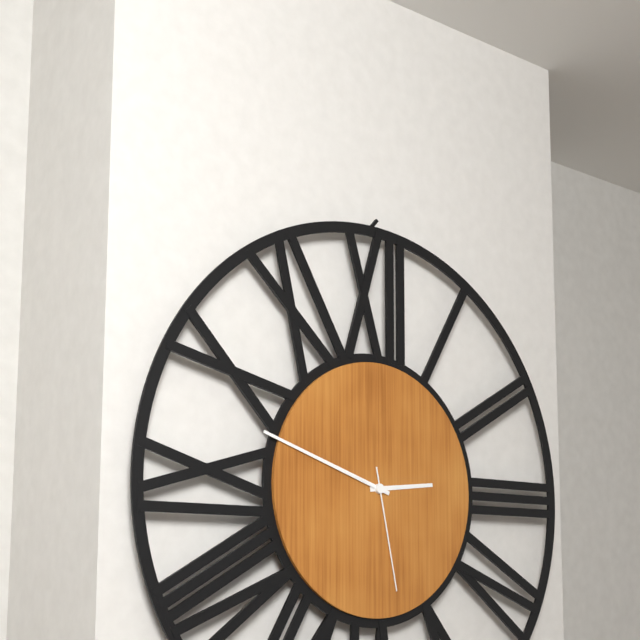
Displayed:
2.48.28
